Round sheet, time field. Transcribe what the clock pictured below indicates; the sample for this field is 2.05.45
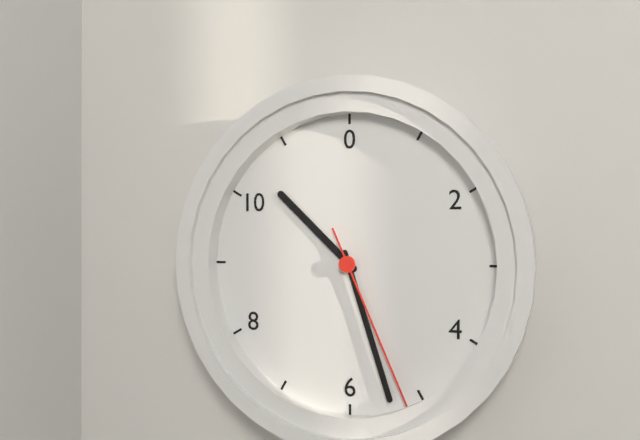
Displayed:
10.27.26
